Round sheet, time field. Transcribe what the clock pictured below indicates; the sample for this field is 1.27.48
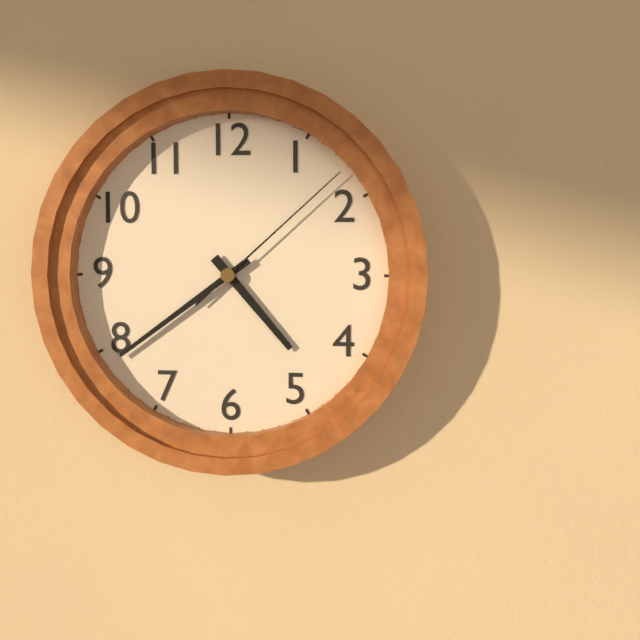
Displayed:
4.39.08
